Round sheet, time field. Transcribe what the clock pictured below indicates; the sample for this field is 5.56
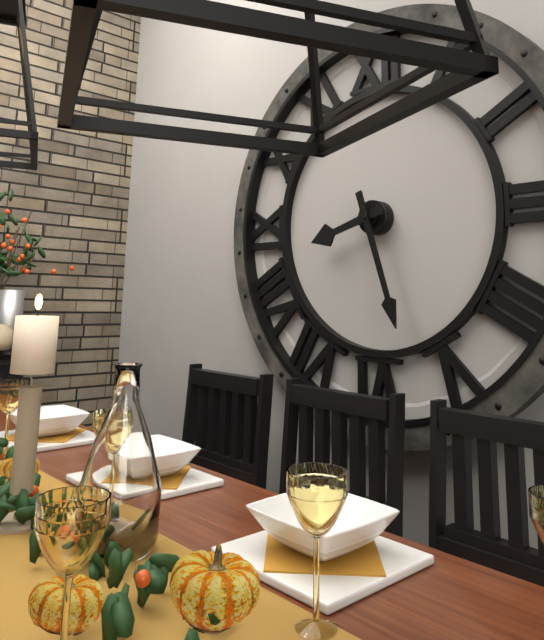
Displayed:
8.27
